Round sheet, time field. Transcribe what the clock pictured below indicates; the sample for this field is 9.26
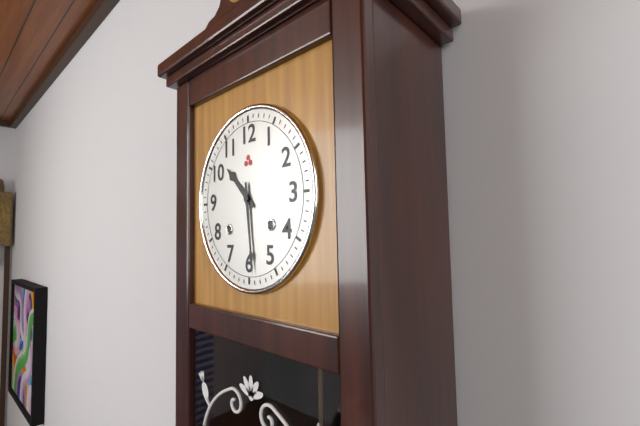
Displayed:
10.29
